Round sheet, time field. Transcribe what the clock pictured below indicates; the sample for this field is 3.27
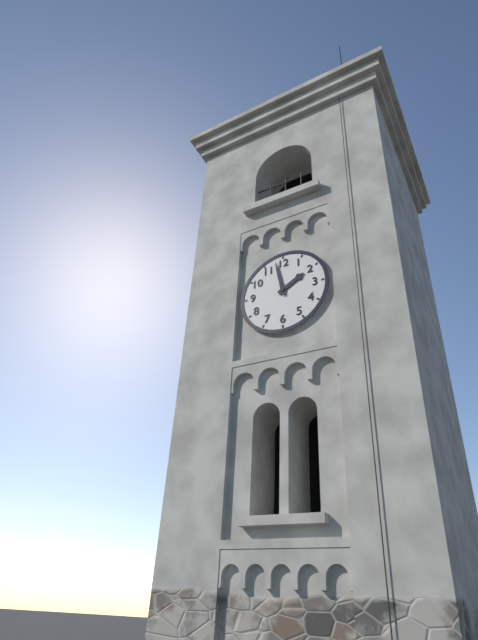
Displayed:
1.58
